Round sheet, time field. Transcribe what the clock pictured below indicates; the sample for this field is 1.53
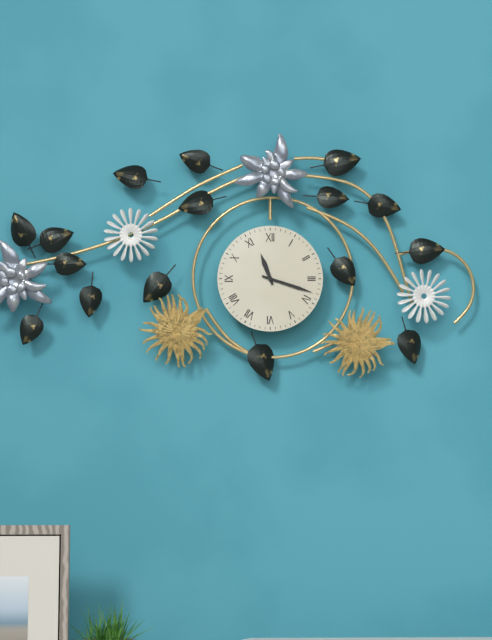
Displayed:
11.18
